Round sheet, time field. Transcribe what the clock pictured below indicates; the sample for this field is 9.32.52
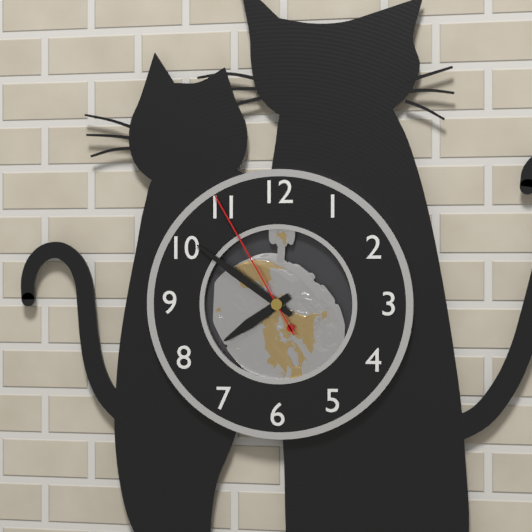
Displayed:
7.51.55
